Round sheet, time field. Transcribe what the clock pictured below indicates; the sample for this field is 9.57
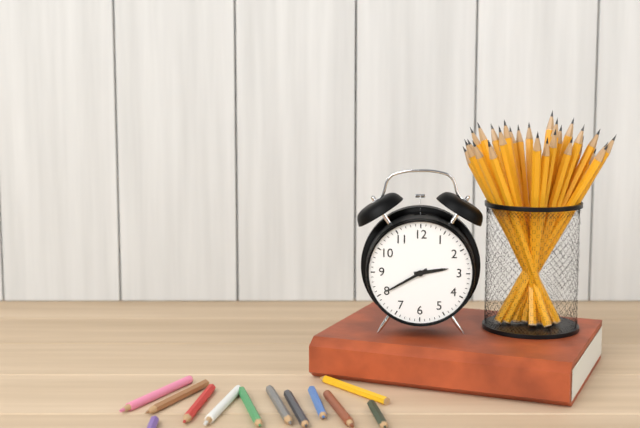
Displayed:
2.40
